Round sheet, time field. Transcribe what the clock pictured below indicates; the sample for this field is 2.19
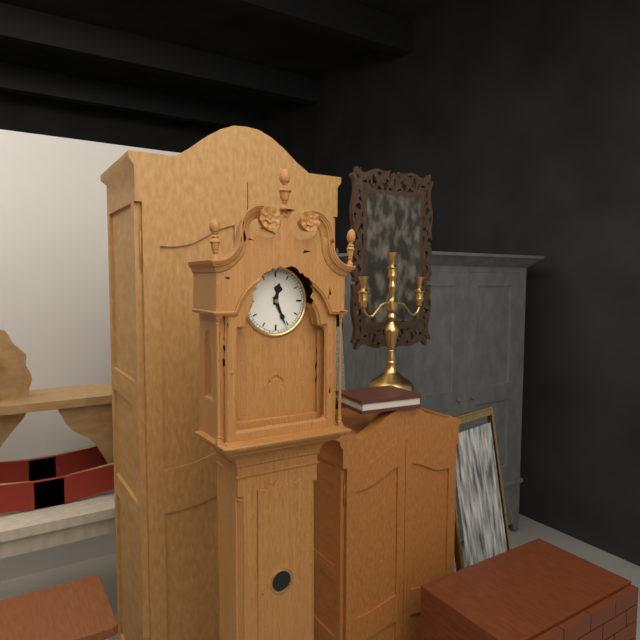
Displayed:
12.26
